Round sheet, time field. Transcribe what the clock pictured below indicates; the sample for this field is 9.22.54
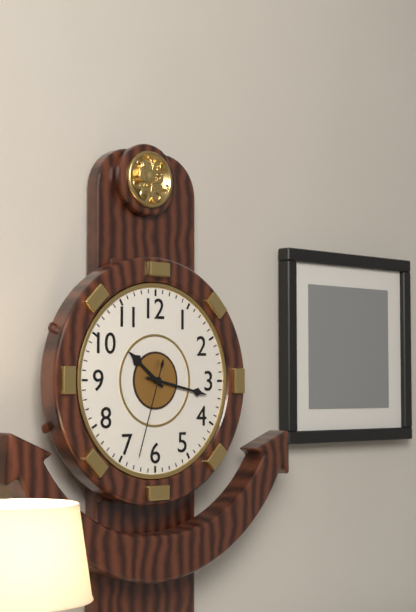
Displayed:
10.17.33
